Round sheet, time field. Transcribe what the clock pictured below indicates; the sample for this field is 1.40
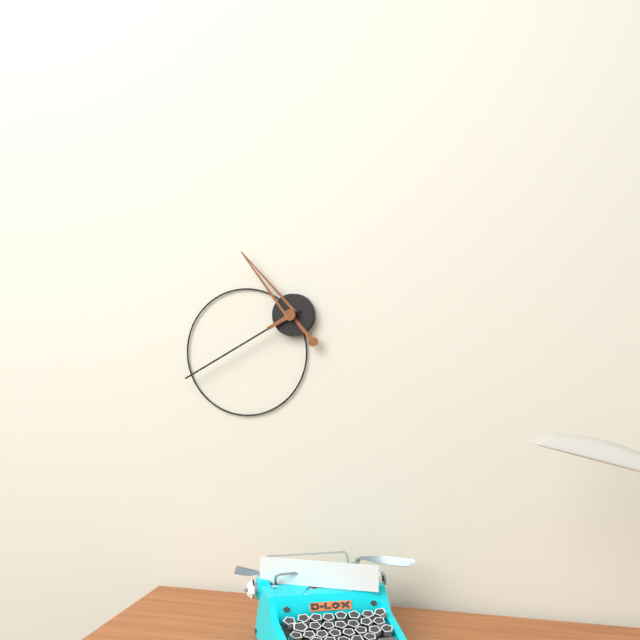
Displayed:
10.40
